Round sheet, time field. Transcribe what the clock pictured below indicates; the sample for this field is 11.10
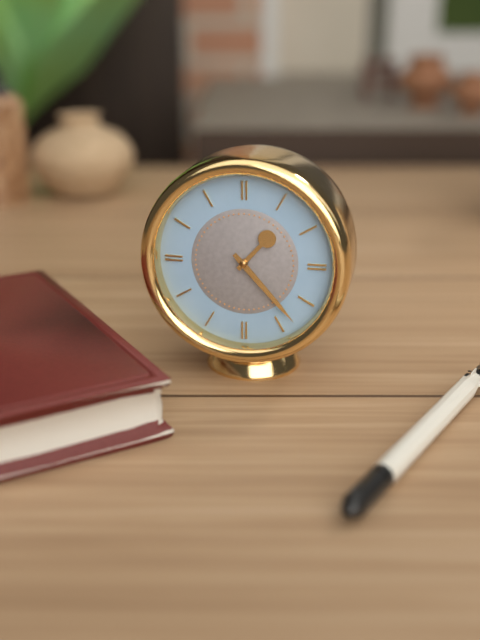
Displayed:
1.23
